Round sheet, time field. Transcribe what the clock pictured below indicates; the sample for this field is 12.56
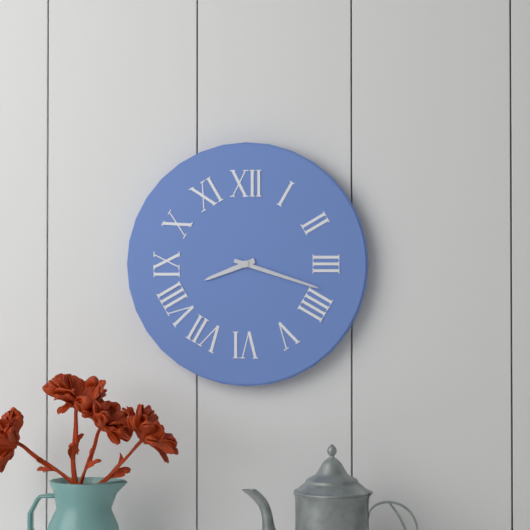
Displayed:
8.18
